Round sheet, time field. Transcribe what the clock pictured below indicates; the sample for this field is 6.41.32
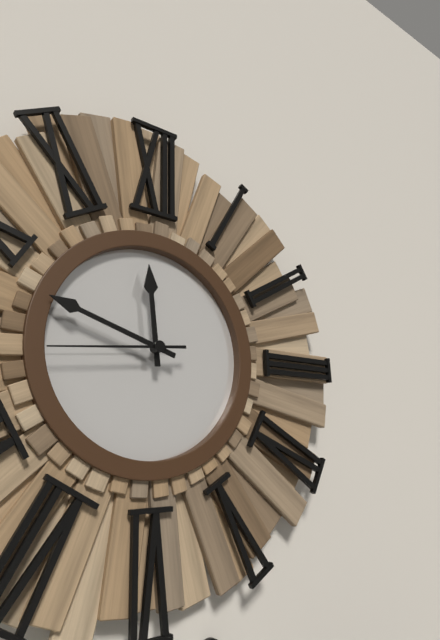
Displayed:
11.48.44
